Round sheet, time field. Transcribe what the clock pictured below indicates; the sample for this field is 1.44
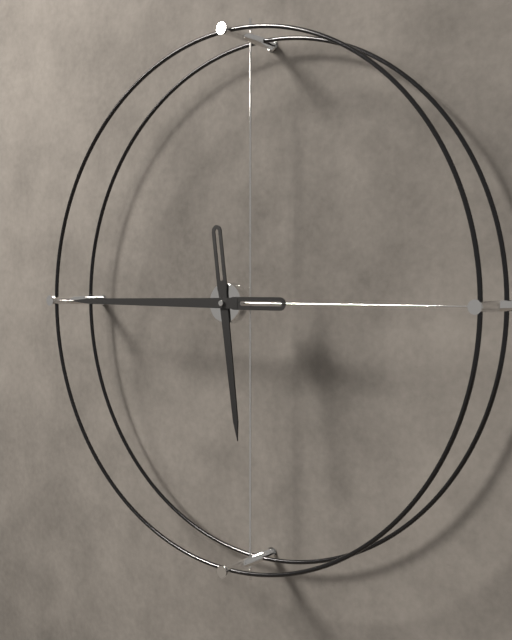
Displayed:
5.45
